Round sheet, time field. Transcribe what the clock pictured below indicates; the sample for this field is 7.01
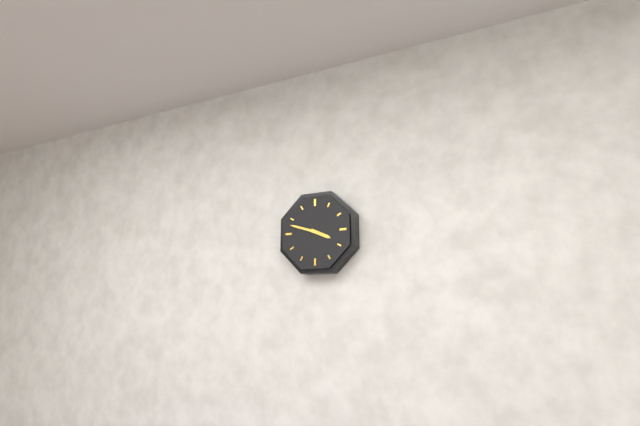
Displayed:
3.48
